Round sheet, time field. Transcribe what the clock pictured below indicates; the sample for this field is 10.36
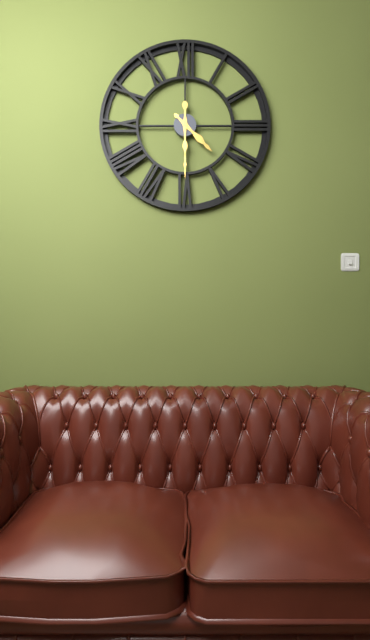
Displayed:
4.30
